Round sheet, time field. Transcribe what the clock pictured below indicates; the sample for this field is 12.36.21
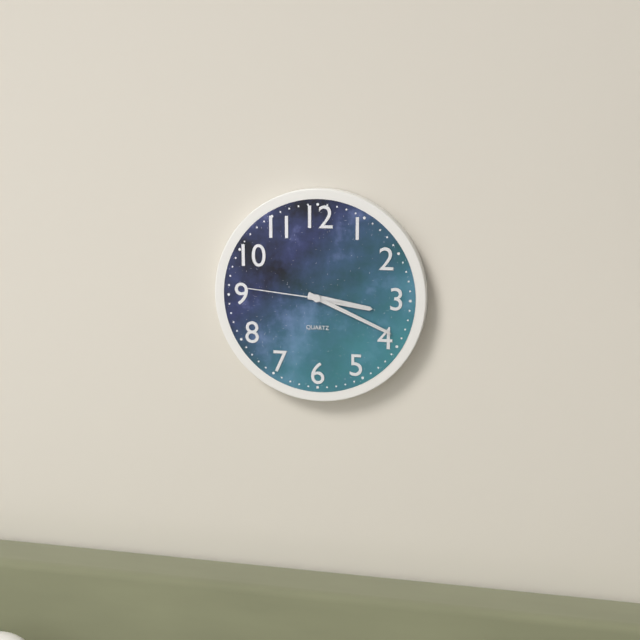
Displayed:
3.19.46
